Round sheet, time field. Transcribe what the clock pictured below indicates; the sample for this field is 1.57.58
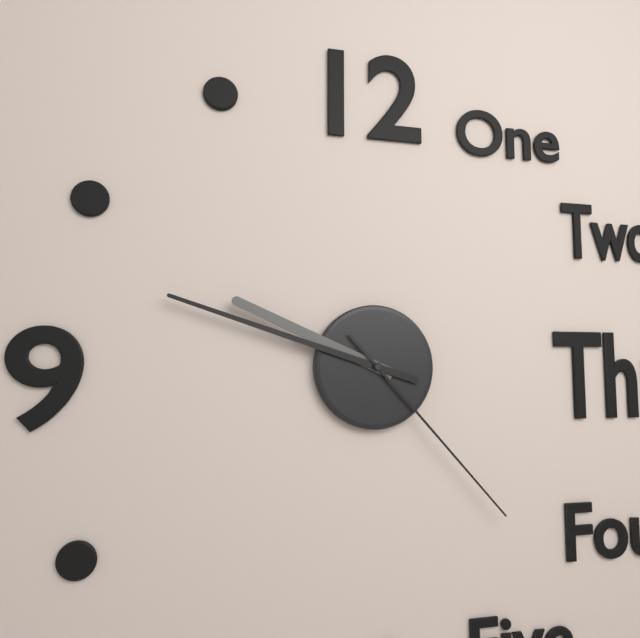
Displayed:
9.48.23
